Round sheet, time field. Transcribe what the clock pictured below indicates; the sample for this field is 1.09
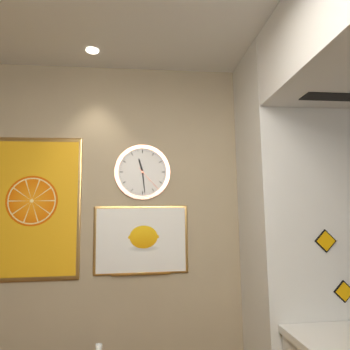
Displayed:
11.29
